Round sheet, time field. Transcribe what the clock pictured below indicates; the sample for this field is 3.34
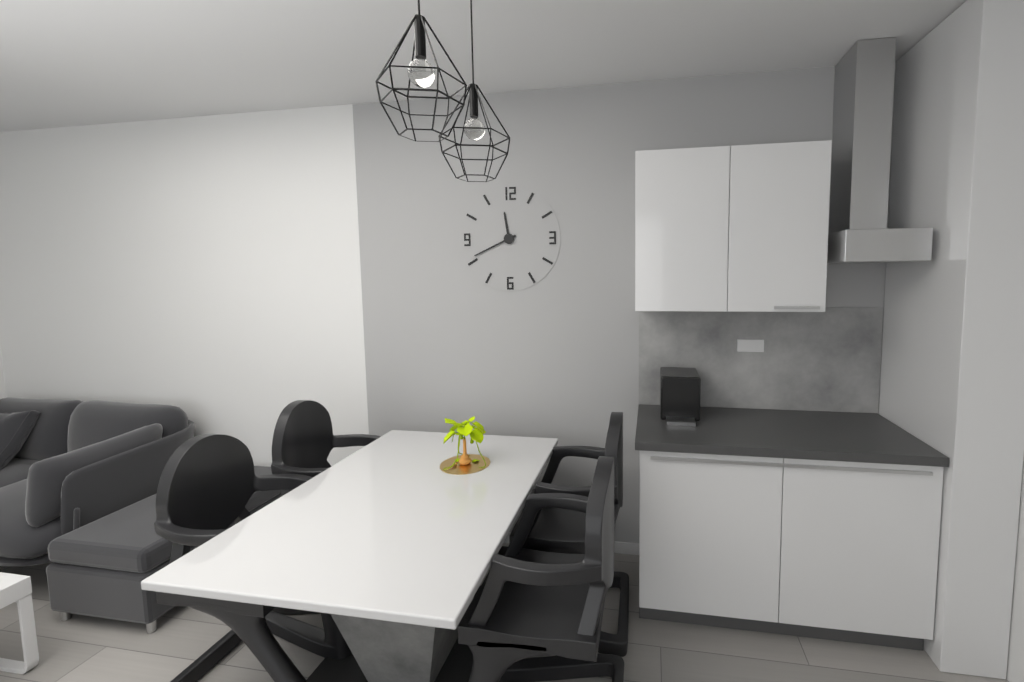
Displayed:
11.41
